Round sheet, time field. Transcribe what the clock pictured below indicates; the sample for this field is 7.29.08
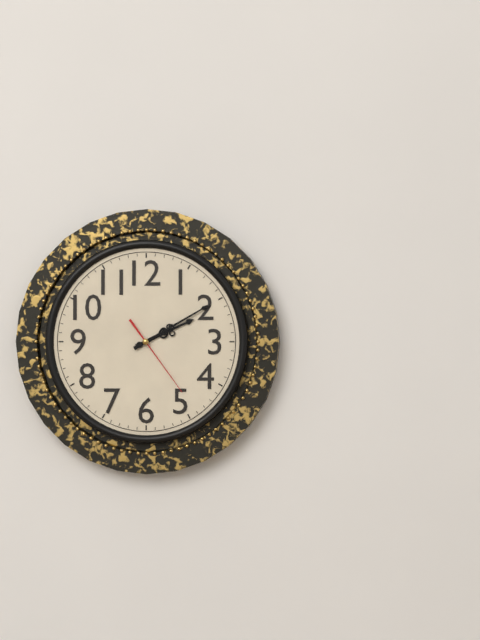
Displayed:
2.10.24
